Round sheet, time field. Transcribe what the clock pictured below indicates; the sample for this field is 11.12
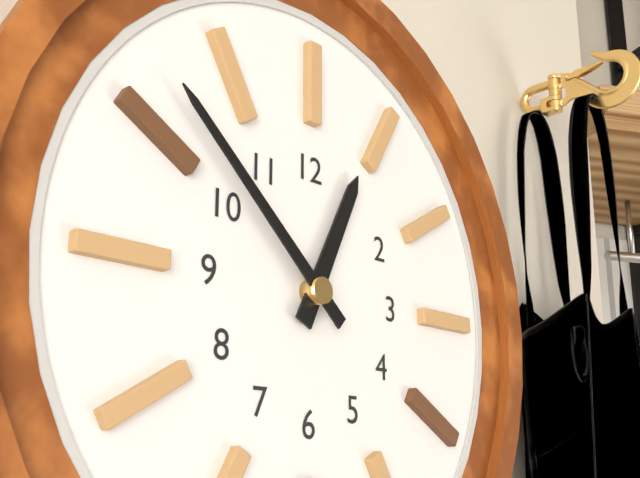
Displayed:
12.52
